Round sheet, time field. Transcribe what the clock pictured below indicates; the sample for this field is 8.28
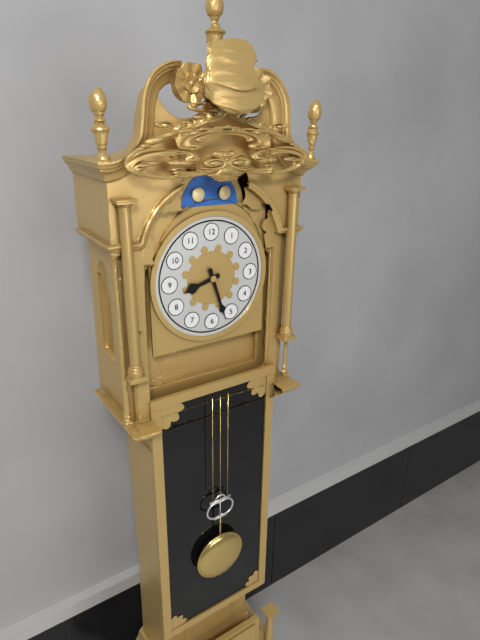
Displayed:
8.27
